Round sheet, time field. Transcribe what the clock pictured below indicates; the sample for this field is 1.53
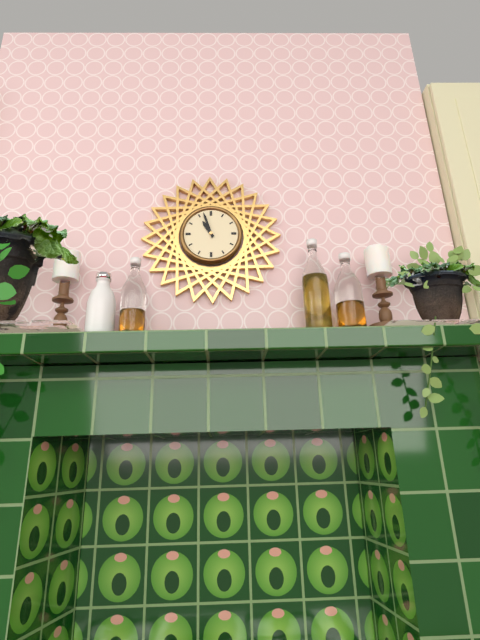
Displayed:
10.57
